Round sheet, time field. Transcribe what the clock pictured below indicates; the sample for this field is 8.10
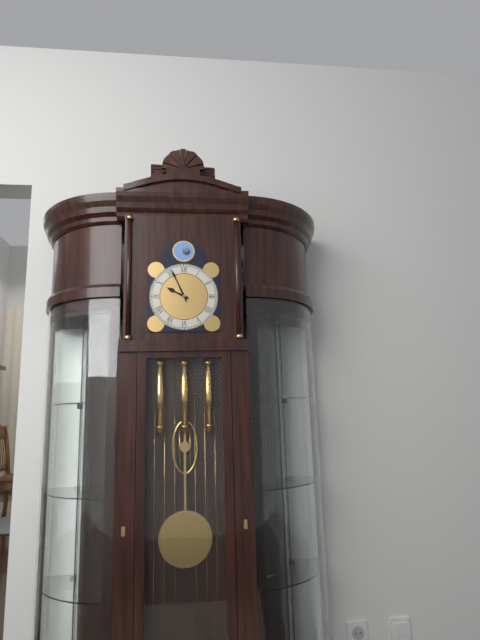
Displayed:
9.56
